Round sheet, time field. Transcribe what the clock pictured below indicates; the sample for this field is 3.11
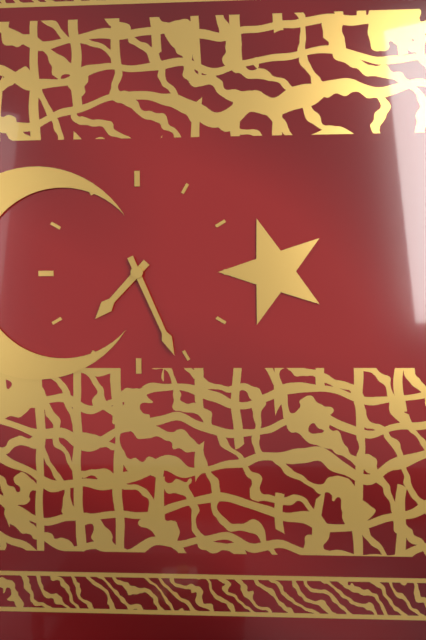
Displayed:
7.26
